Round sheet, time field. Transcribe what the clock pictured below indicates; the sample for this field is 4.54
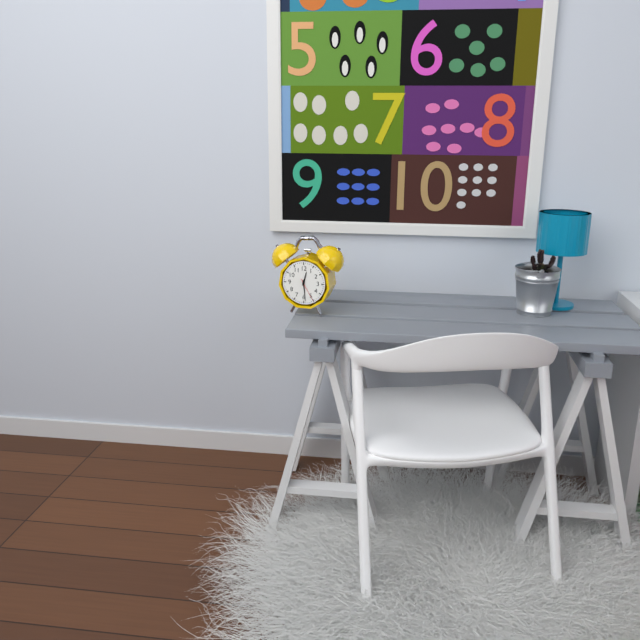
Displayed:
12.29
